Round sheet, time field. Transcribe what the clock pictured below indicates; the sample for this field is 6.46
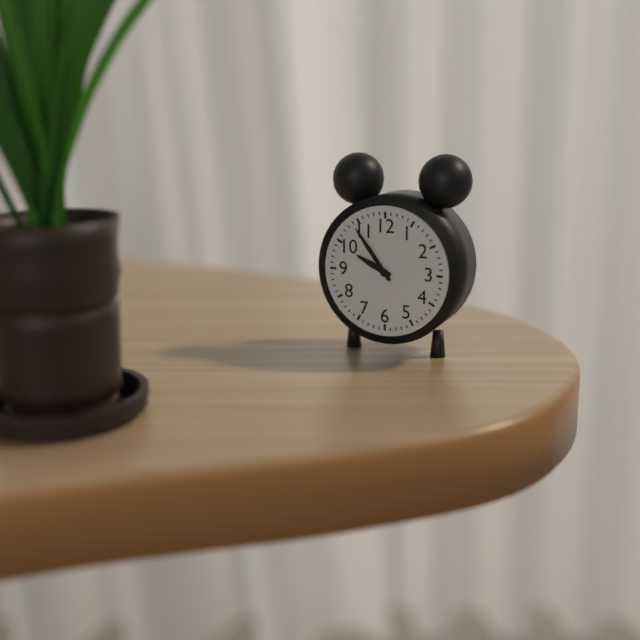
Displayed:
9.54
